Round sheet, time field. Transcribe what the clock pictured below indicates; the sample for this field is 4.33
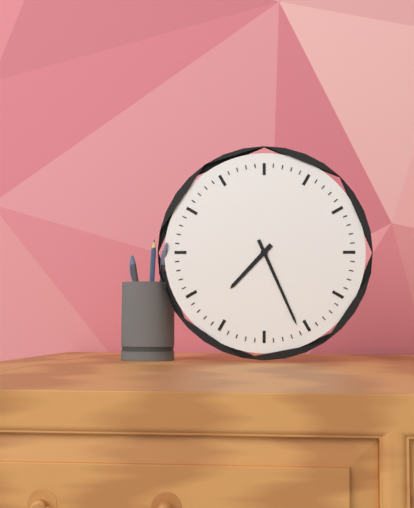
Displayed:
7.26
